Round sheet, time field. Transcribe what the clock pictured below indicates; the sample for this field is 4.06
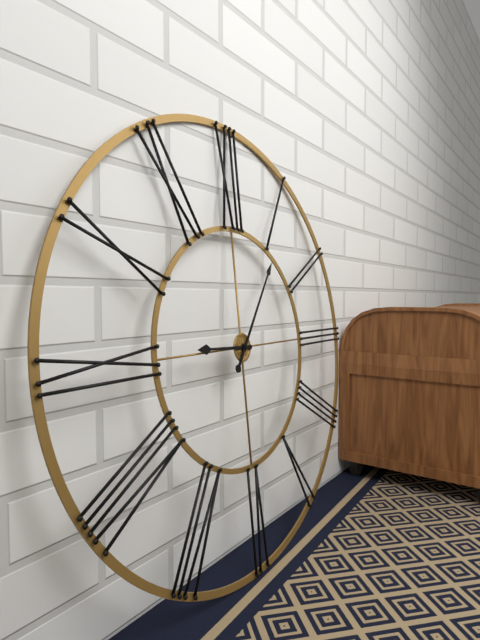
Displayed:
9.06
